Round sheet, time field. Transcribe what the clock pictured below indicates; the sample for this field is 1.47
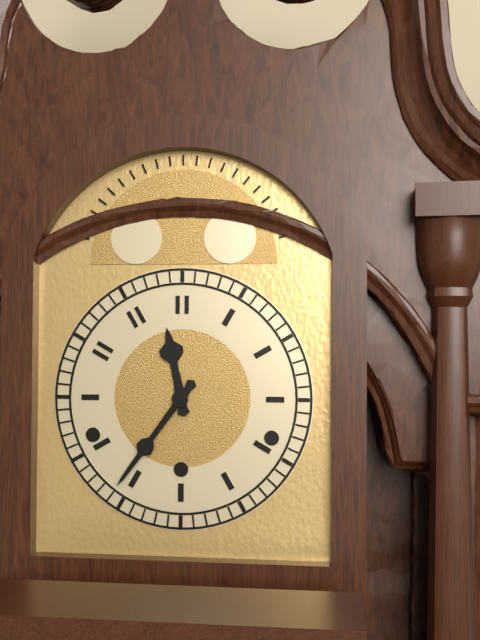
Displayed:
11.36
